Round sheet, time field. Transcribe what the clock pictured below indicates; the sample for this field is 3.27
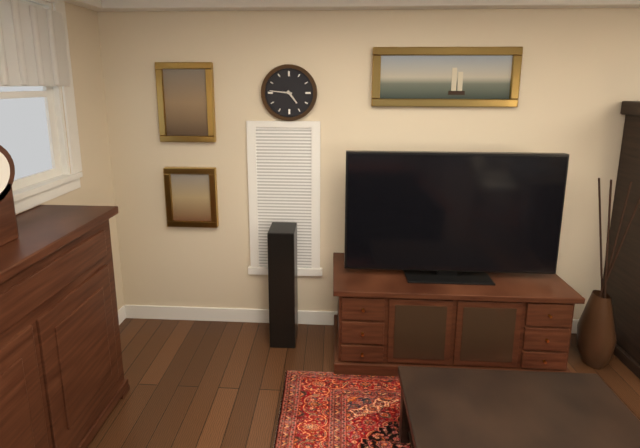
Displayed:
4.46
